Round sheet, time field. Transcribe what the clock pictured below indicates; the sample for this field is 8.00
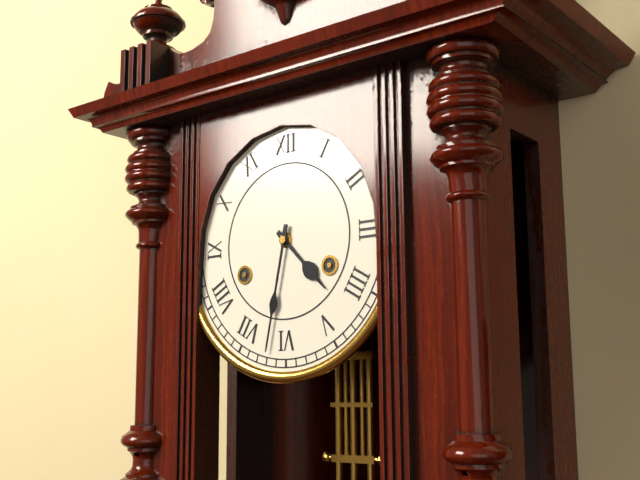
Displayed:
4.32
